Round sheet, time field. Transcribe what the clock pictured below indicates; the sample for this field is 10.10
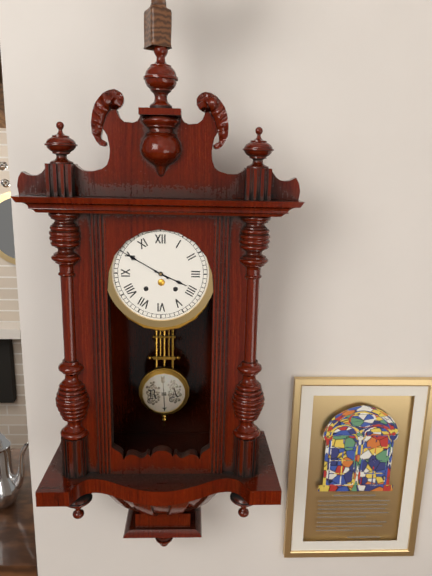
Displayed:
3.50
